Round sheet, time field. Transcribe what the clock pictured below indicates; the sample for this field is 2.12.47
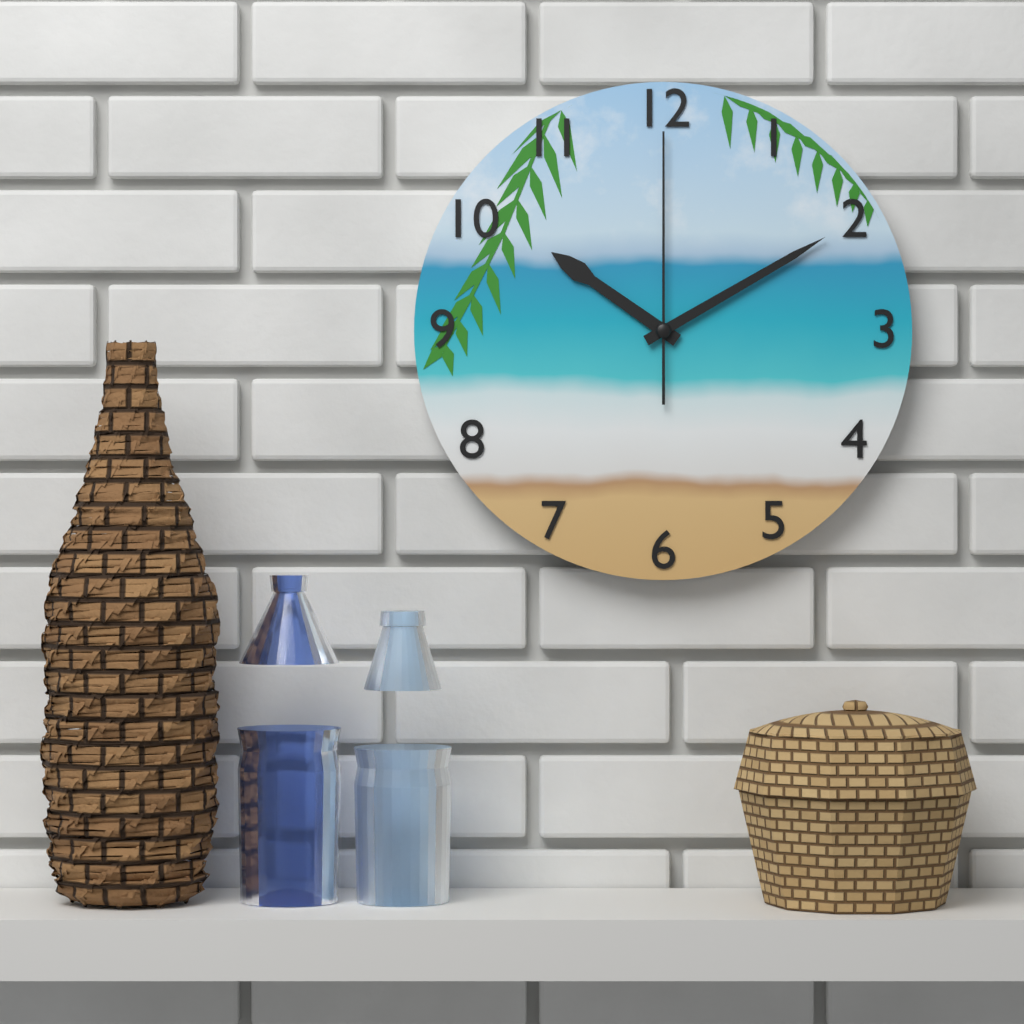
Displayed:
10.10.00
